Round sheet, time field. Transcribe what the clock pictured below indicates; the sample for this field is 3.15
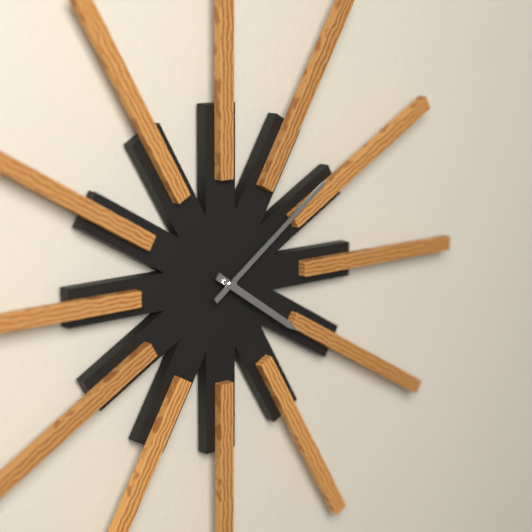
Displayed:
4.09
